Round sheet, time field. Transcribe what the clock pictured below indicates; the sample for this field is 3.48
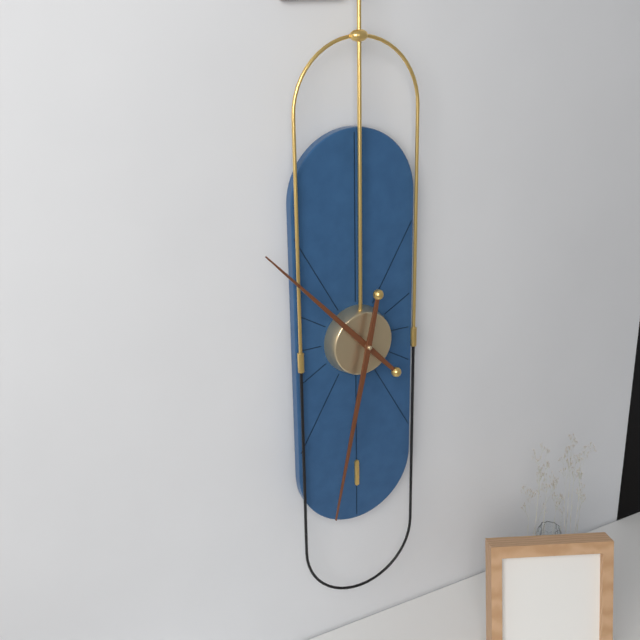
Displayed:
10.32
